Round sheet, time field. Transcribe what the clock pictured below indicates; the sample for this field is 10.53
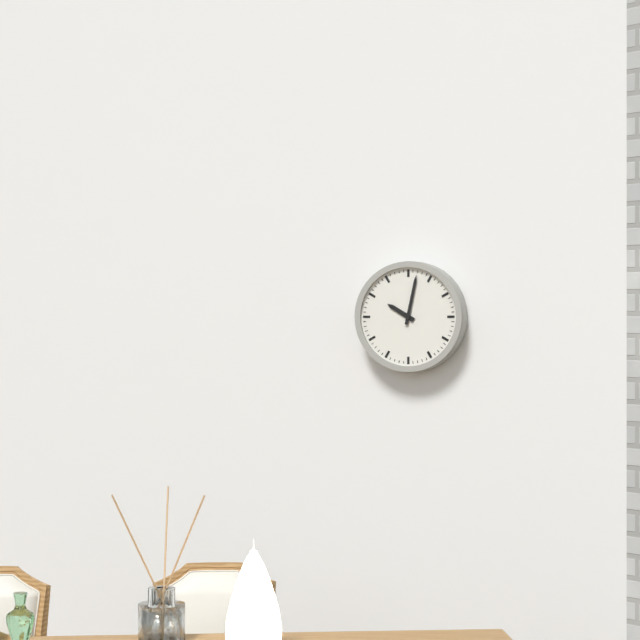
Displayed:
10.02
